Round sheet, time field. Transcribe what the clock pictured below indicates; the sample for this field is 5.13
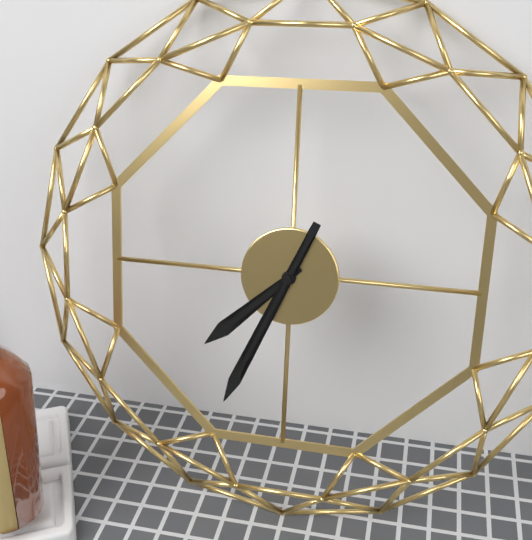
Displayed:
7.34
